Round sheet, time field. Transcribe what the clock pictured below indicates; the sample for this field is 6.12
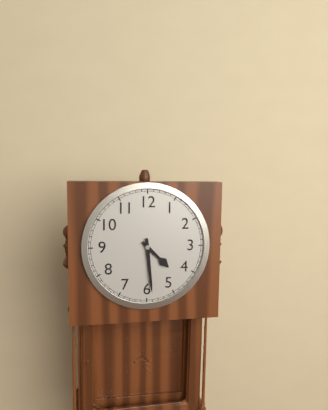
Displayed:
4.29
